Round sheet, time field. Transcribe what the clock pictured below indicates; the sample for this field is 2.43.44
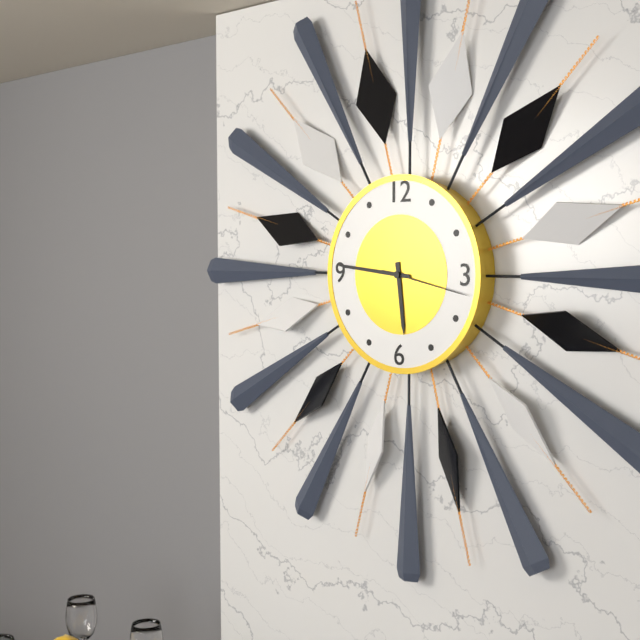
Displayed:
5.46.17
